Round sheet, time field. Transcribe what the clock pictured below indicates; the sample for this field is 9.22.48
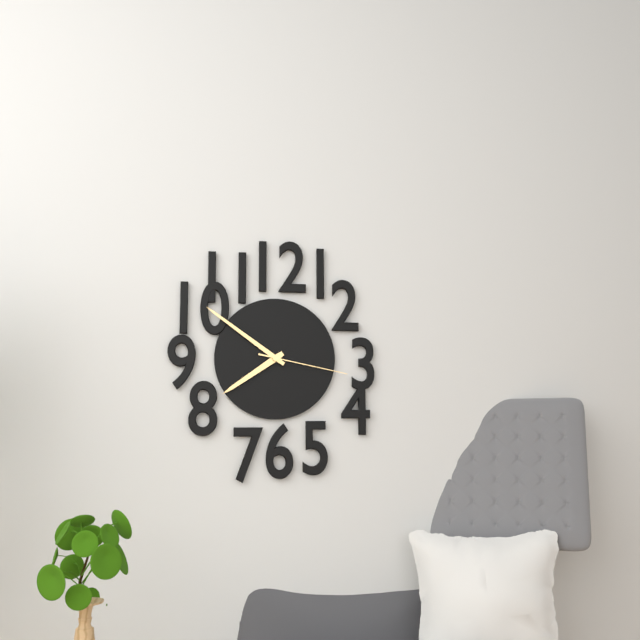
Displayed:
7.51.17
